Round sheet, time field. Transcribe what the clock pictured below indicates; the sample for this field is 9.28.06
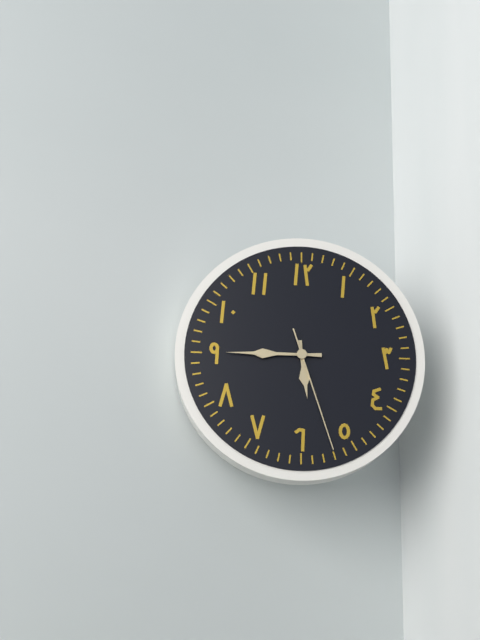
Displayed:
5.45.27
